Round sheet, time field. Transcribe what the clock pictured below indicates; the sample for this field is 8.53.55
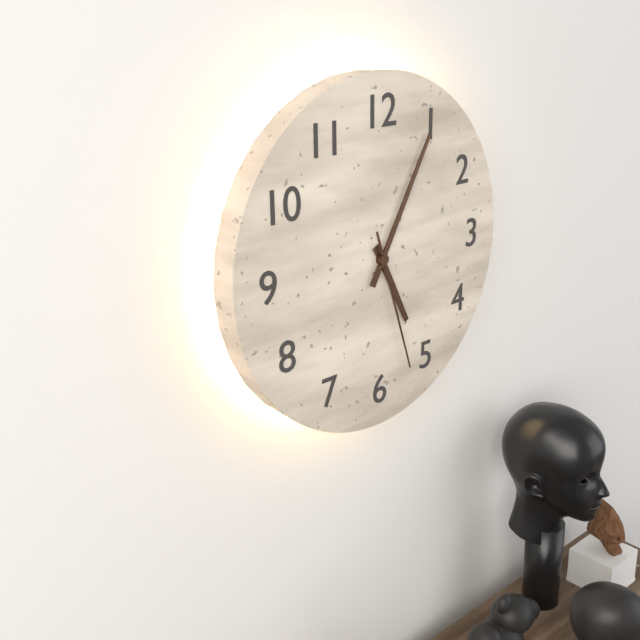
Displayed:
5.05.27
